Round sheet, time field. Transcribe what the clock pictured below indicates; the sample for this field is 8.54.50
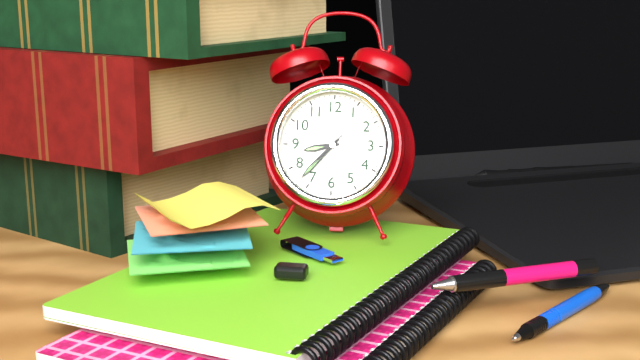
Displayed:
8.37.37
